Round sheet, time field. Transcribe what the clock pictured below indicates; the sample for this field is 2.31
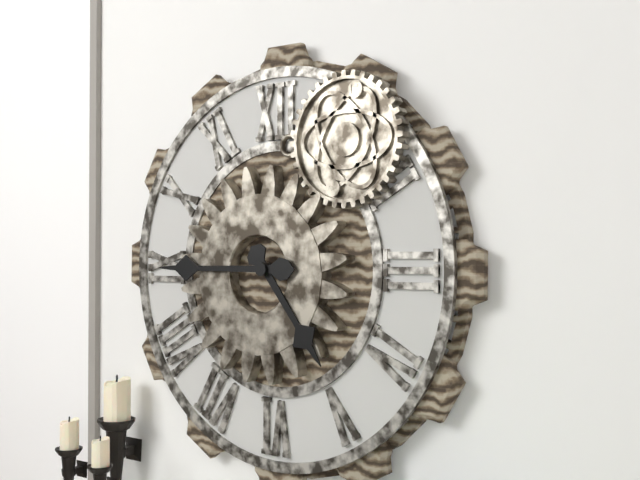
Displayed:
4.45
